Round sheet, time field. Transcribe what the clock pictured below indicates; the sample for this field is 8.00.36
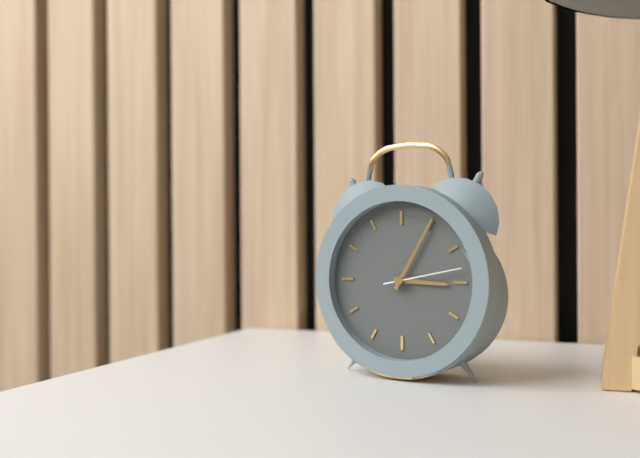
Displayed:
3.05.13
